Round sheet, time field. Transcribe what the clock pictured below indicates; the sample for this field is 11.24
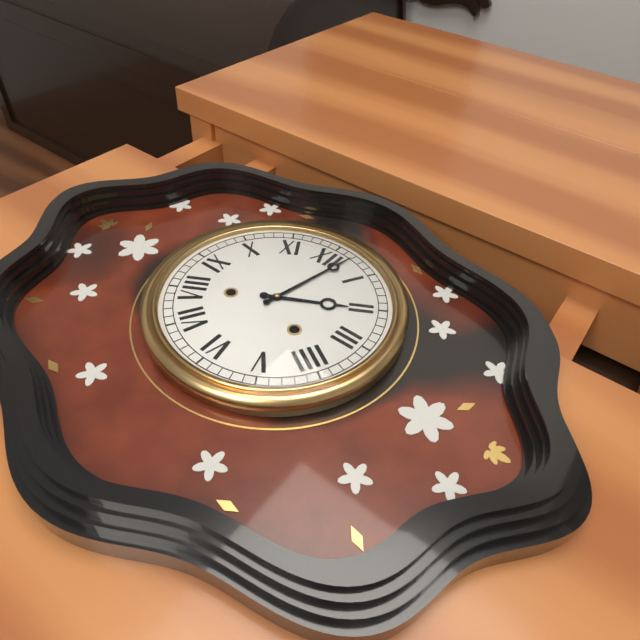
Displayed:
2.02
